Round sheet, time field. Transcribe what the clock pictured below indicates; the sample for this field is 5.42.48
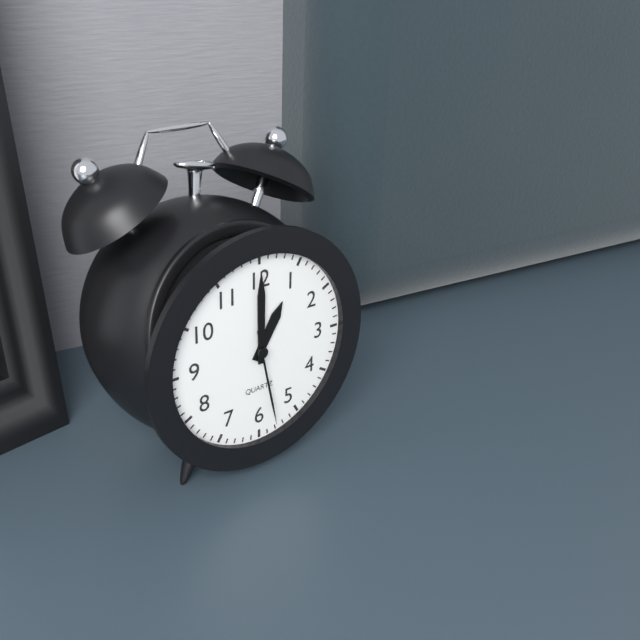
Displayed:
1.00.28
